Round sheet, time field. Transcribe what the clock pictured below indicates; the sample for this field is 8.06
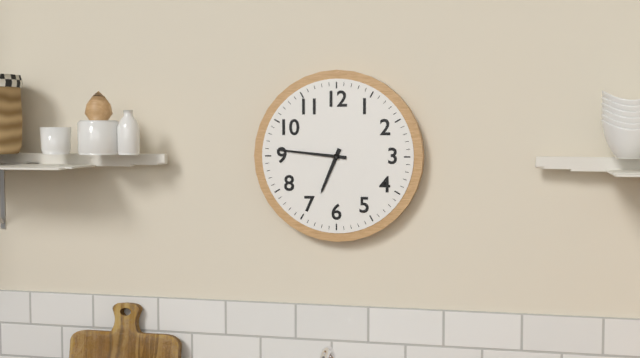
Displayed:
6.46
